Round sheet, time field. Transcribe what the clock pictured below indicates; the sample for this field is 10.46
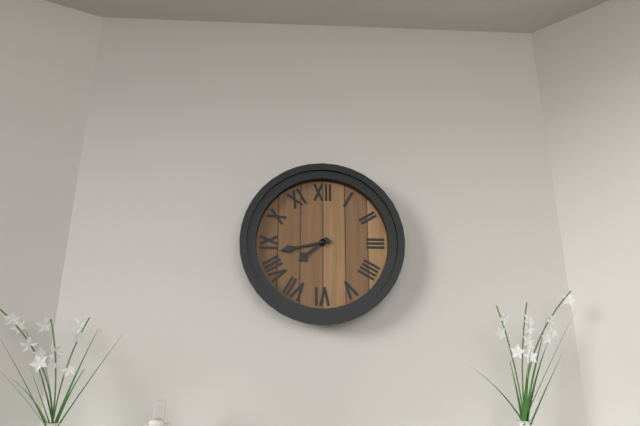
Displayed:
7.43
